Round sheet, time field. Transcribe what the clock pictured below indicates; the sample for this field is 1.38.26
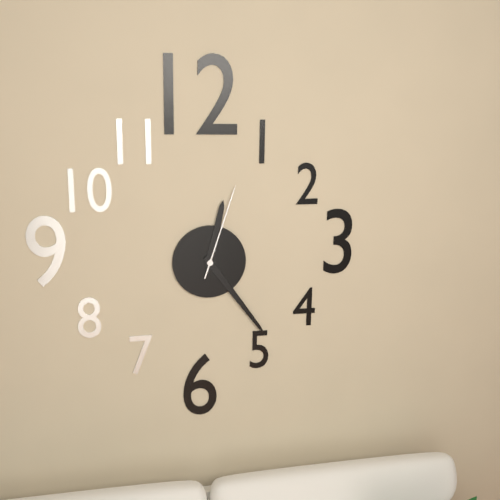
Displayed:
12.24.03
